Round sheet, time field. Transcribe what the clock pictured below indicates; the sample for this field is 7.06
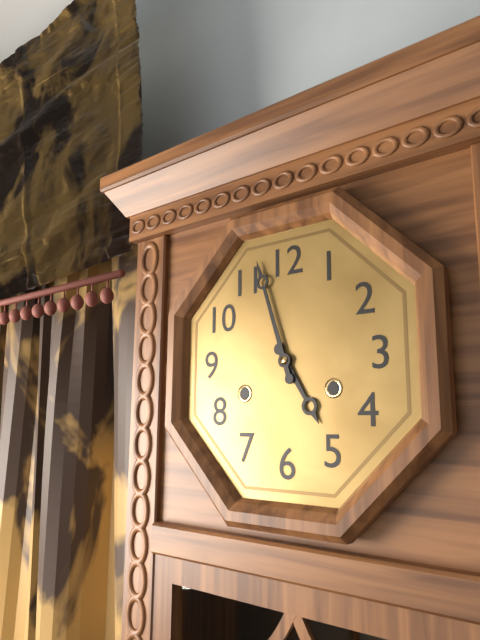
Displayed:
4.57
